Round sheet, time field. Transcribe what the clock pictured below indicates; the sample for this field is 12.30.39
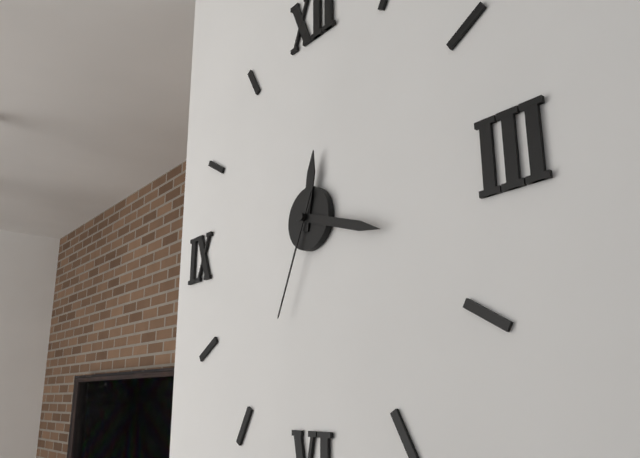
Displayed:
12.18.34
